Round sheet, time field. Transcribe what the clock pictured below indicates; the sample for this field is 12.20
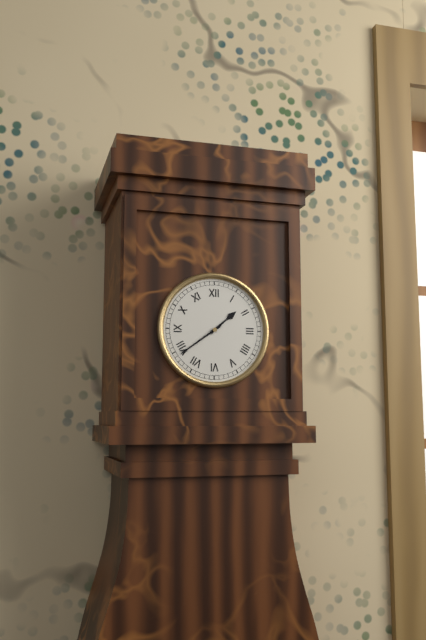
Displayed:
1.39
